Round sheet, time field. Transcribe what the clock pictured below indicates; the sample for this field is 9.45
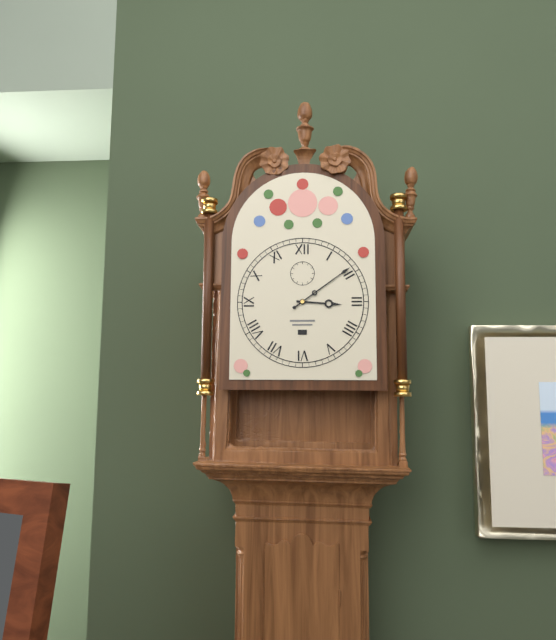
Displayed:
3.09
